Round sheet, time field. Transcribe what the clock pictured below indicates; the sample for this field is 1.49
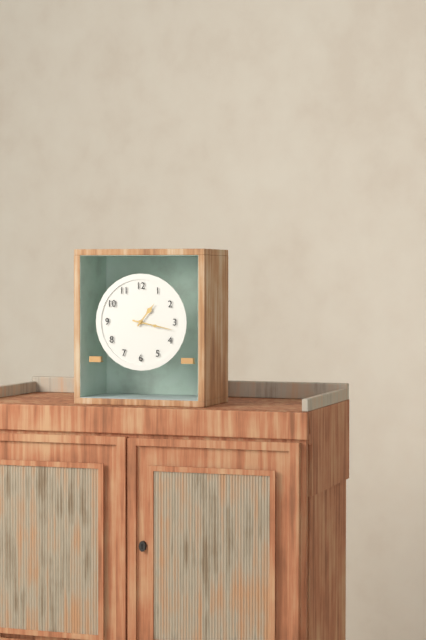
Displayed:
1.17
